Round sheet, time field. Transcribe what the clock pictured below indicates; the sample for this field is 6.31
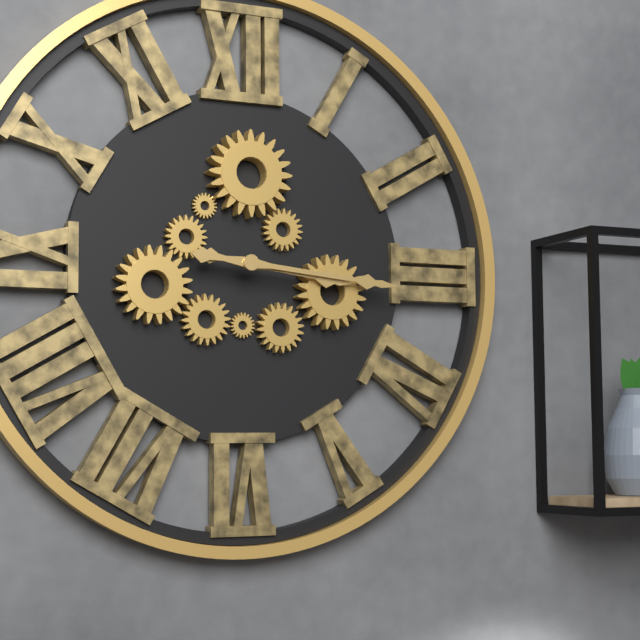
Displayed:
3.16
